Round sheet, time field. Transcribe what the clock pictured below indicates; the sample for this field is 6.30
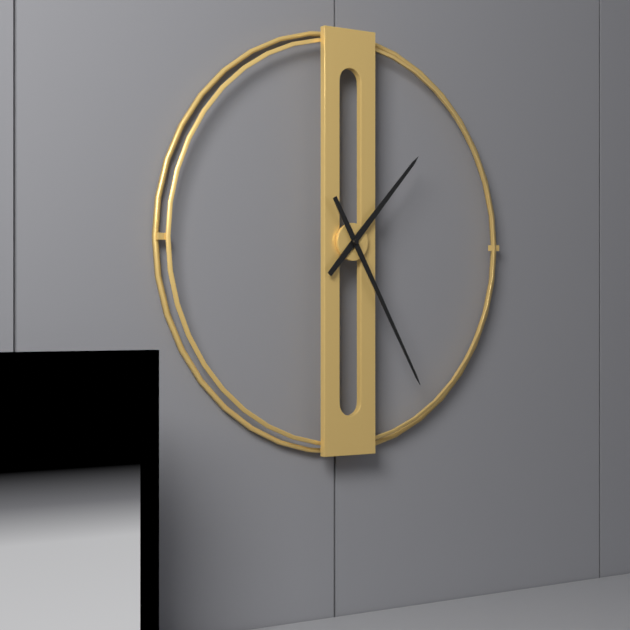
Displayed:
1.25
